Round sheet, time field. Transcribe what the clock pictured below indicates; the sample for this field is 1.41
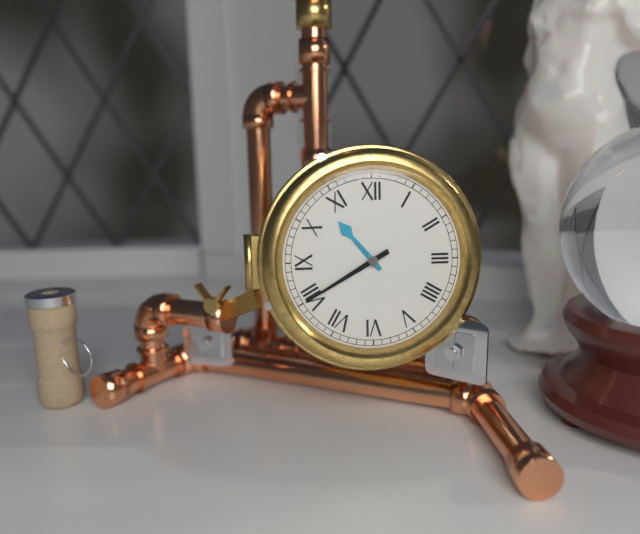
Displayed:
10.40
